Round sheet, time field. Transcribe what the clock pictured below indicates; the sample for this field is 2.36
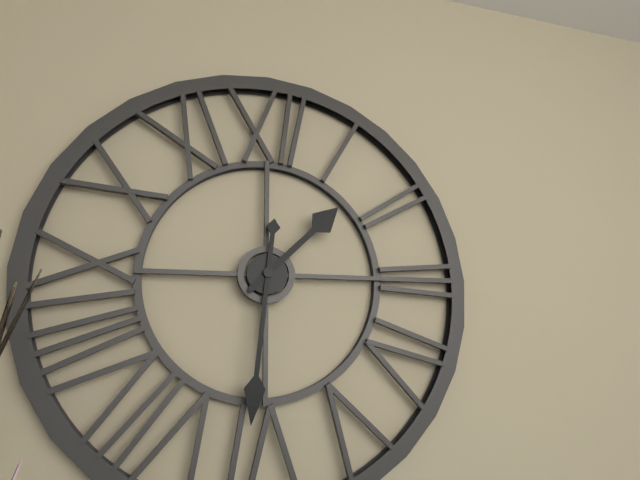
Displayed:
1.31
